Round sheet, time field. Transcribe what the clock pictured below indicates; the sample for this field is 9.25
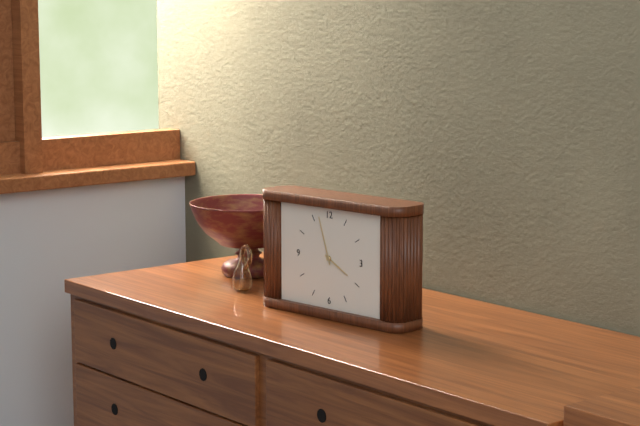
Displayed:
3.57
